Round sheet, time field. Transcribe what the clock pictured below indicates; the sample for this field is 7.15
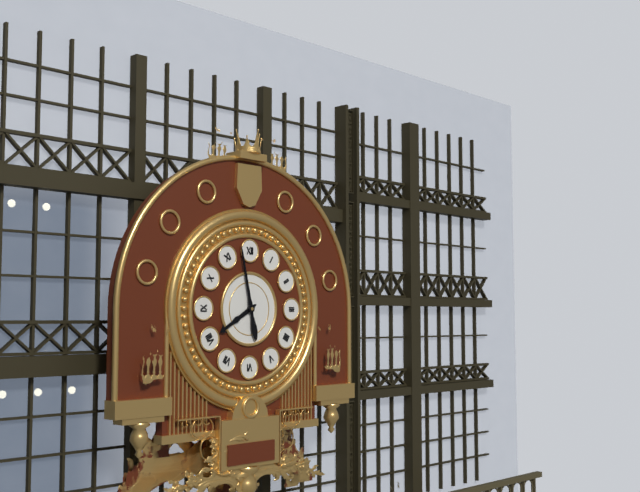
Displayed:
7.58
